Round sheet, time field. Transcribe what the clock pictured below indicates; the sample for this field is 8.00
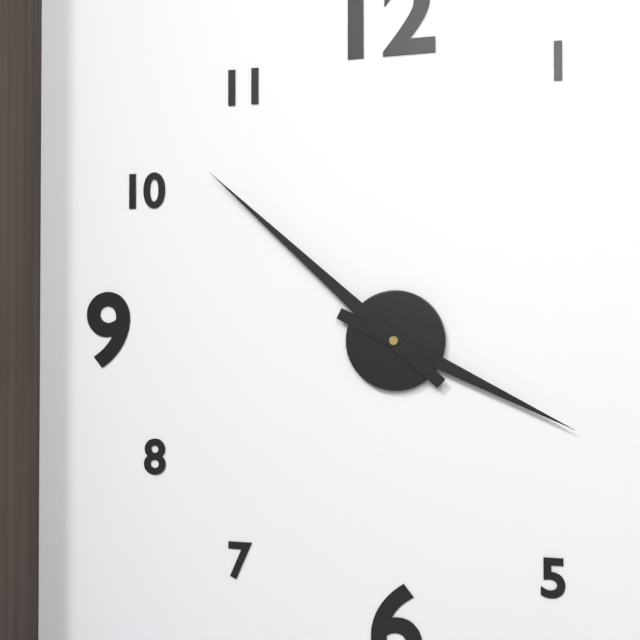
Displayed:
3.52
